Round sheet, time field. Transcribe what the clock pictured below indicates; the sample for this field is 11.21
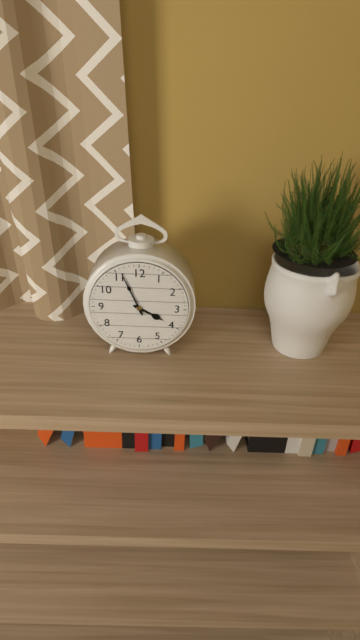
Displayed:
3.56
